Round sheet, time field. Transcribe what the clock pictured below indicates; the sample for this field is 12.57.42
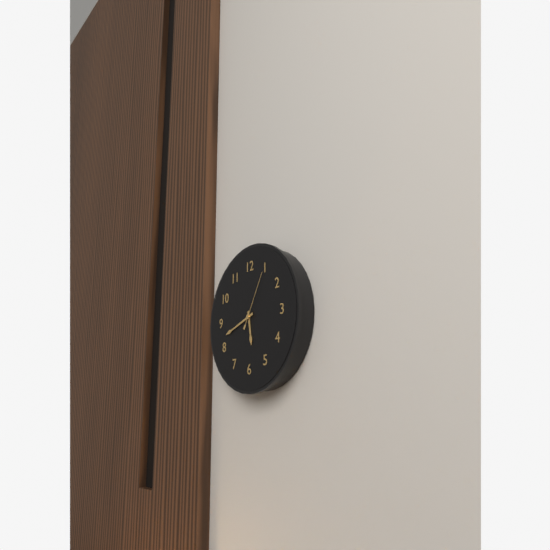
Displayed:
5.42.05
